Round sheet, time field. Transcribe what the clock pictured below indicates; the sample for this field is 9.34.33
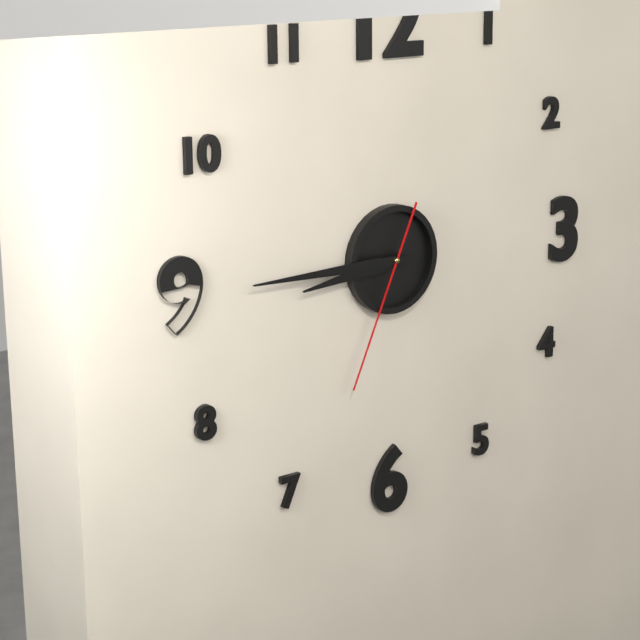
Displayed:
8.45.34
